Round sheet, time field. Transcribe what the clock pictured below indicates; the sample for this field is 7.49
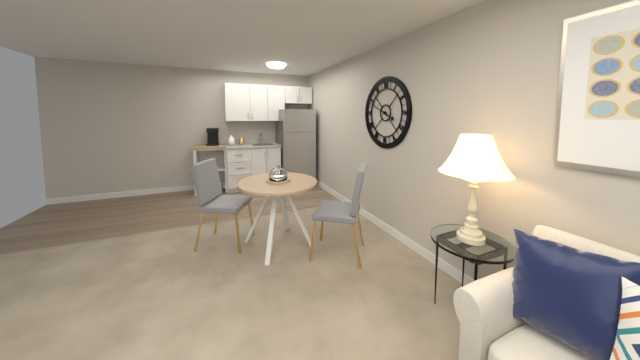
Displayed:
3.49
